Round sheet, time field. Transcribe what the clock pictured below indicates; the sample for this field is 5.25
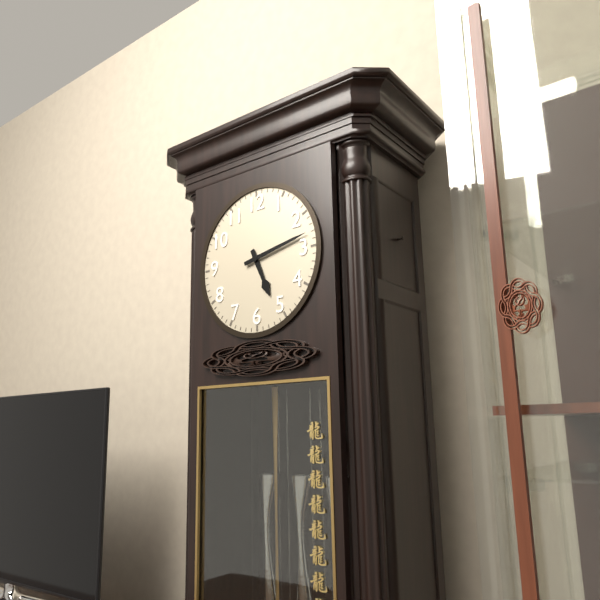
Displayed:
5.13
